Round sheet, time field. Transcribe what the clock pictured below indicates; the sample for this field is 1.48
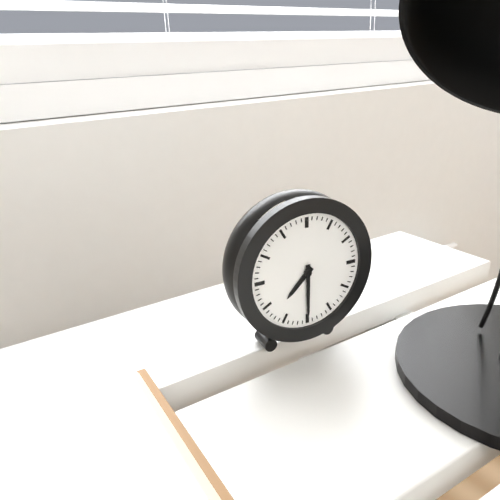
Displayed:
7.30
